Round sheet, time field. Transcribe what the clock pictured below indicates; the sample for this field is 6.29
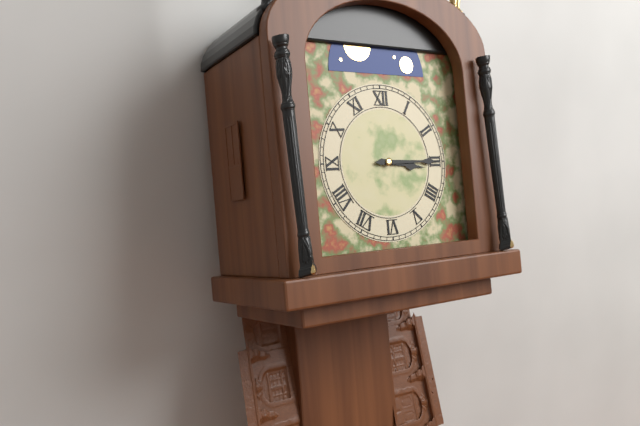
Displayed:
3.15
